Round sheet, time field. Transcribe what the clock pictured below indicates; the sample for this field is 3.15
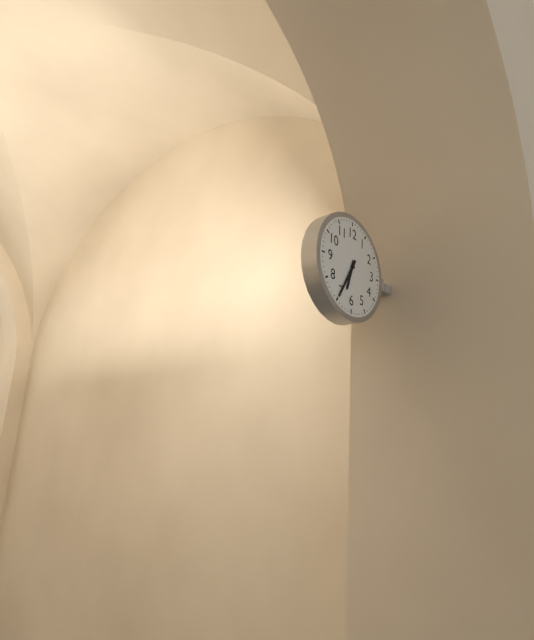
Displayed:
6.35
